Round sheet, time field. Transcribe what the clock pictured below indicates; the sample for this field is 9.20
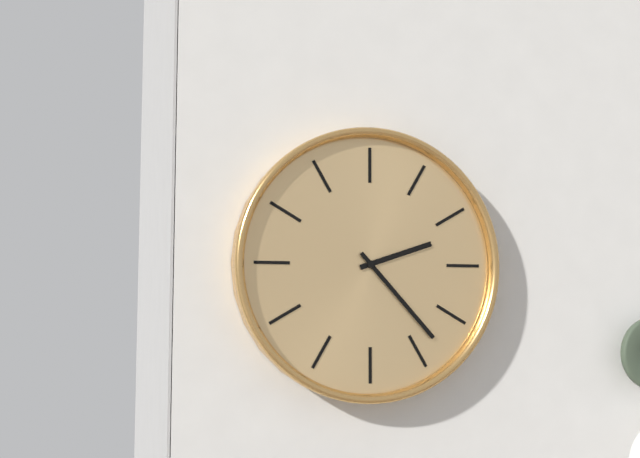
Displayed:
2.23
